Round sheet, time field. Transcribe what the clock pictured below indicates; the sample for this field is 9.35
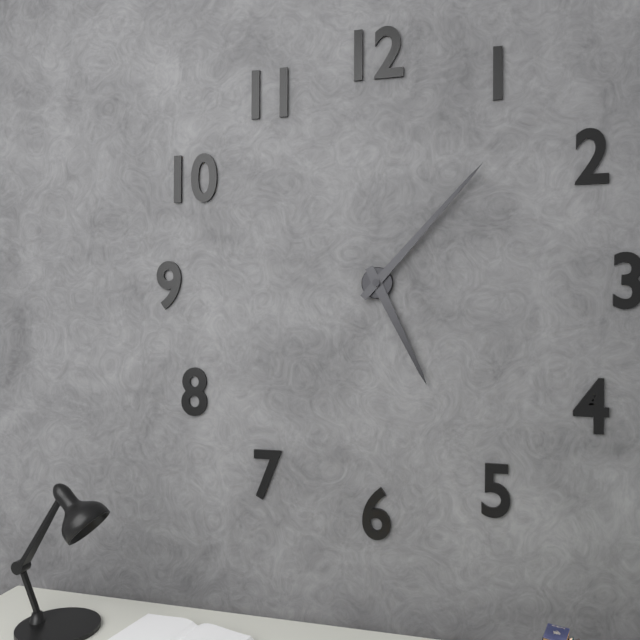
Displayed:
5.07
